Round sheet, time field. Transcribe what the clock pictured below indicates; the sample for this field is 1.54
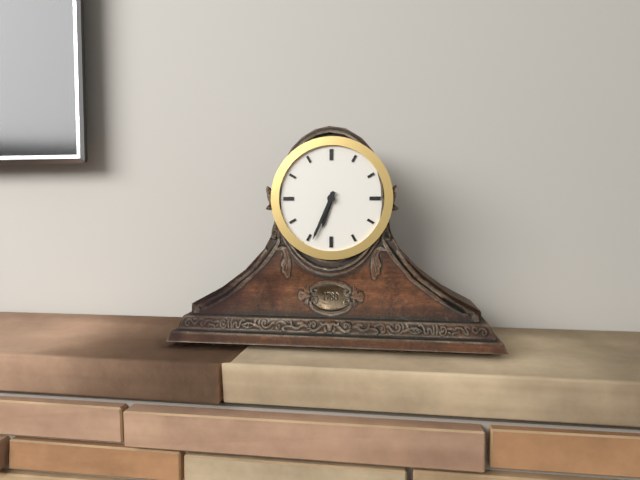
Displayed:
6.34
